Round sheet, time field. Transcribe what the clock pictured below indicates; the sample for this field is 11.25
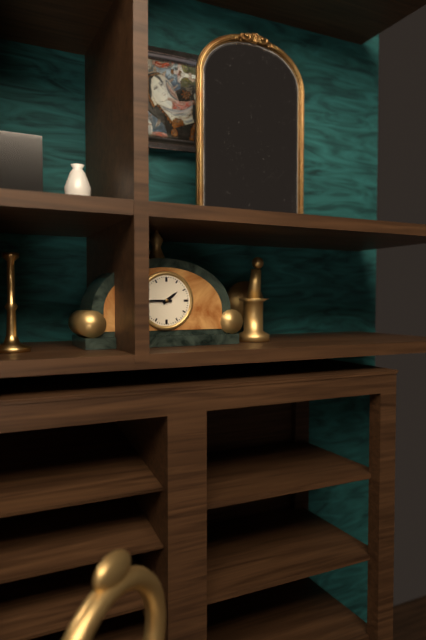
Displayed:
1.45
